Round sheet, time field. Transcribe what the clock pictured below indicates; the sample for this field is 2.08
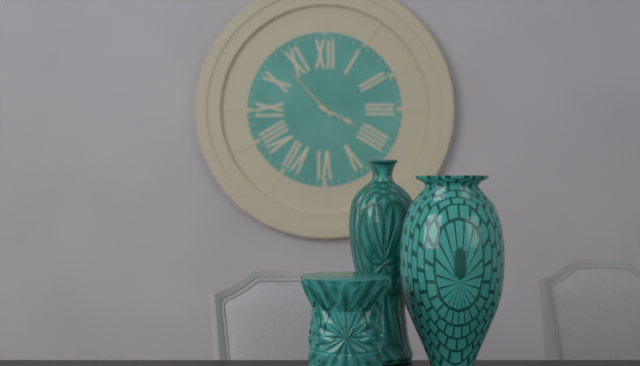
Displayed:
3.53
